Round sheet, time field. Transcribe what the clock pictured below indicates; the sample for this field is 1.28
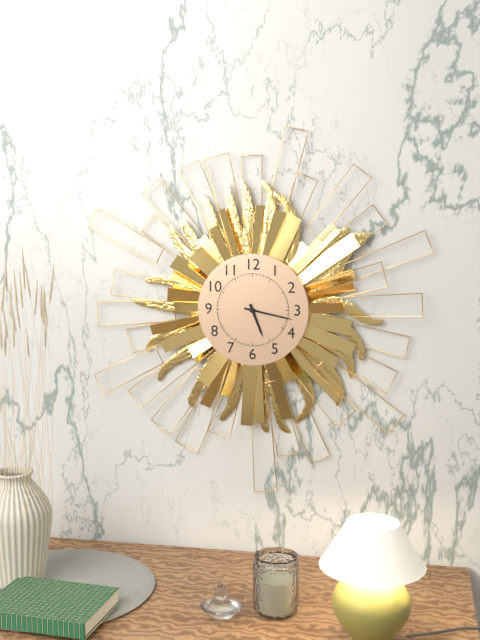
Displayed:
5.17
